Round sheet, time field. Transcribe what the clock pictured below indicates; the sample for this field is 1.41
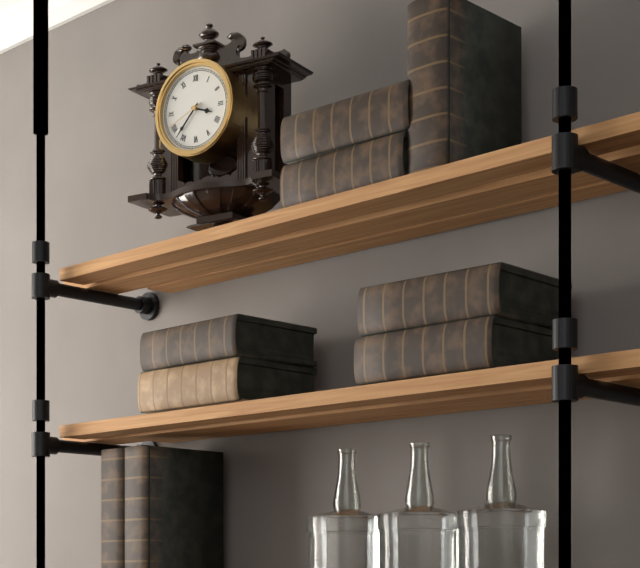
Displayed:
3.37
